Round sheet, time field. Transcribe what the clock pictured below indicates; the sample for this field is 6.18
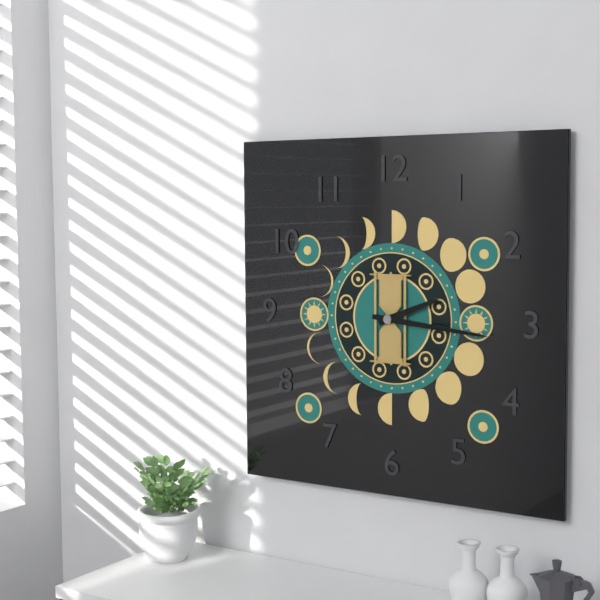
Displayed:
2.16
